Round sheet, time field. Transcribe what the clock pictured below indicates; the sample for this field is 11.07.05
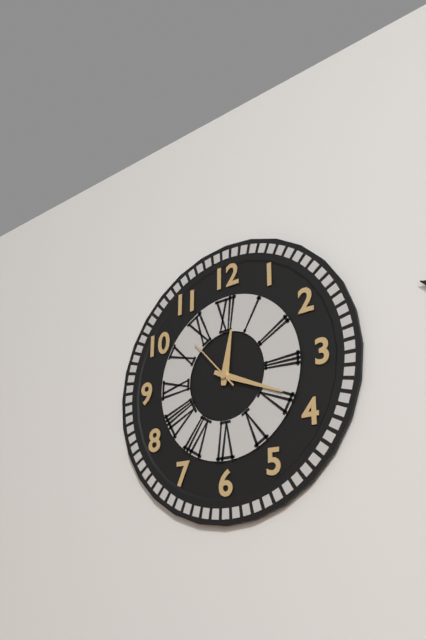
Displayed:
12.19.53
